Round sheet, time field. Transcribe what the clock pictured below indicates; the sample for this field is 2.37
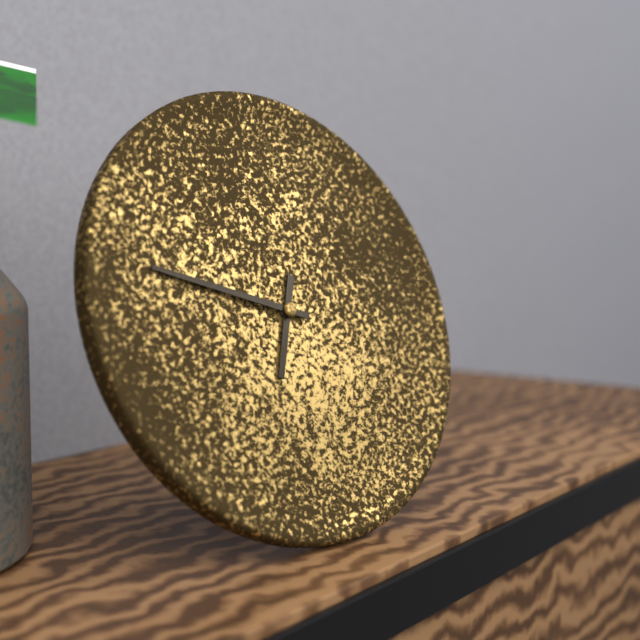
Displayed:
6.48
